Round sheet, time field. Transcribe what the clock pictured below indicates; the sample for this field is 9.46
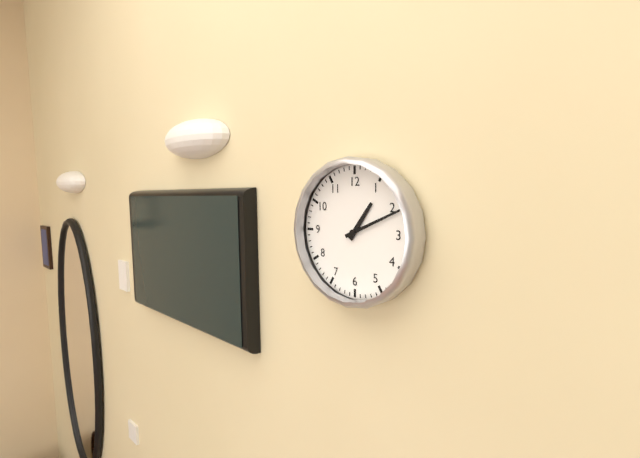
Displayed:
1.11
